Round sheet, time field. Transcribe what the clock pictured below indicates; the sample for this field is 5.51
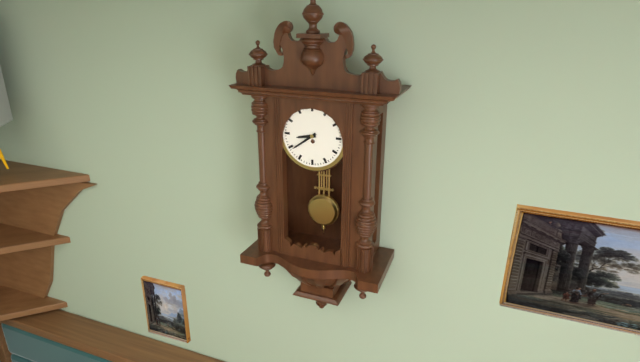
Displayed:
8.39
